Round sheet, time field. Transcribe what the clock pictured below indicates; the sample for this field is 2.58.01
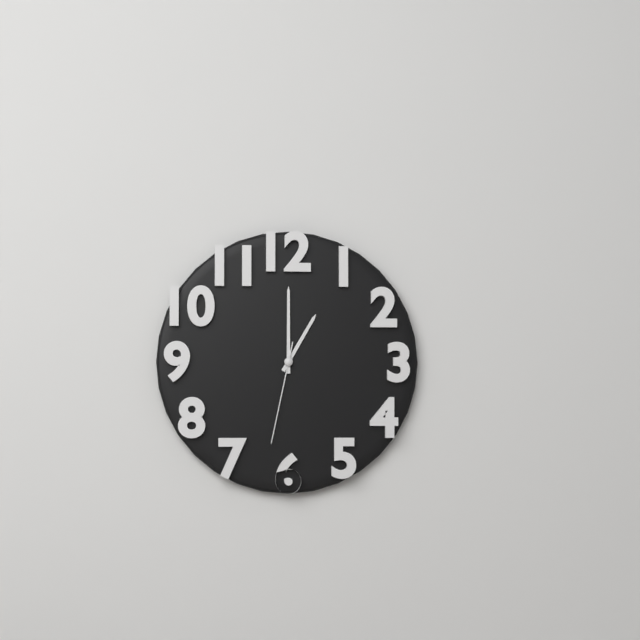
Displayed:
1.00.32
